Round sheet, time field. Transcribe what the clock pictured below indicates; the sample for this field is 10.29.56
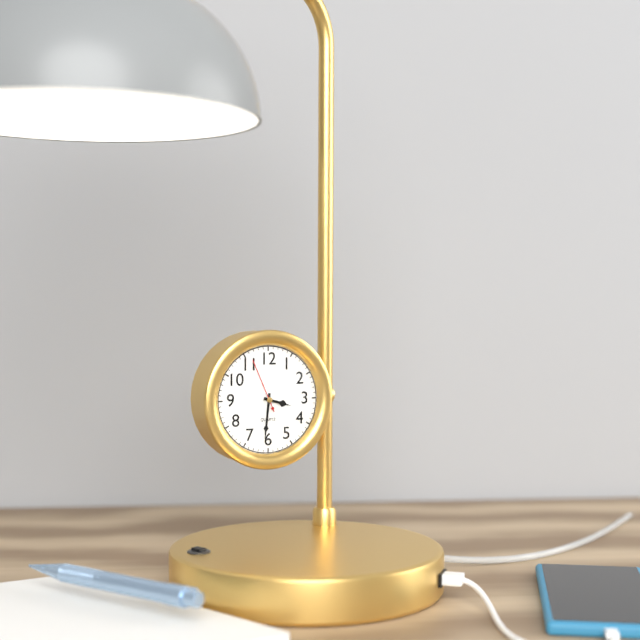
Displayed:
3.31.56
